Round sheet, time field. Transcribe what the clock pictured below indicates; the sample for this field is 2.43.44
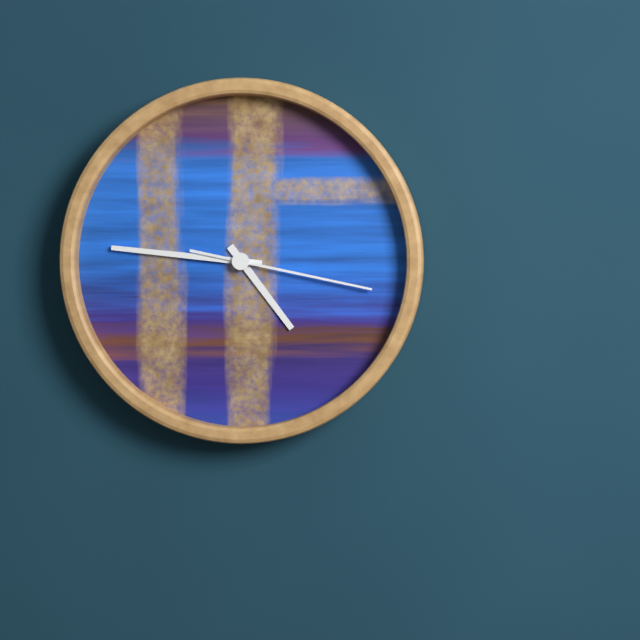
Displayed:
4.46.17
